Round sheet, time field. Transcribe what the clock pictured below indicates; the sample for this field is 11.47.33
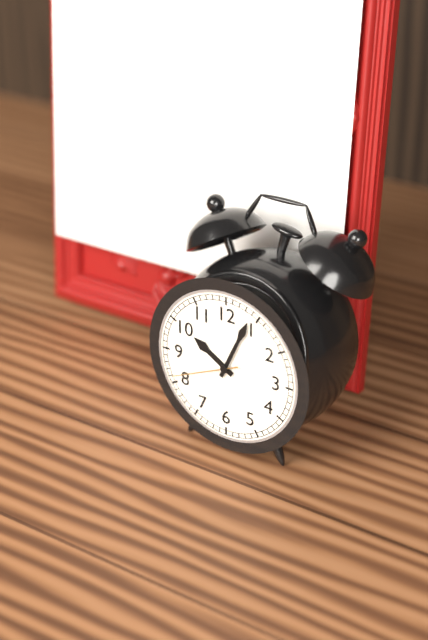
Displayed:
10.04.41
